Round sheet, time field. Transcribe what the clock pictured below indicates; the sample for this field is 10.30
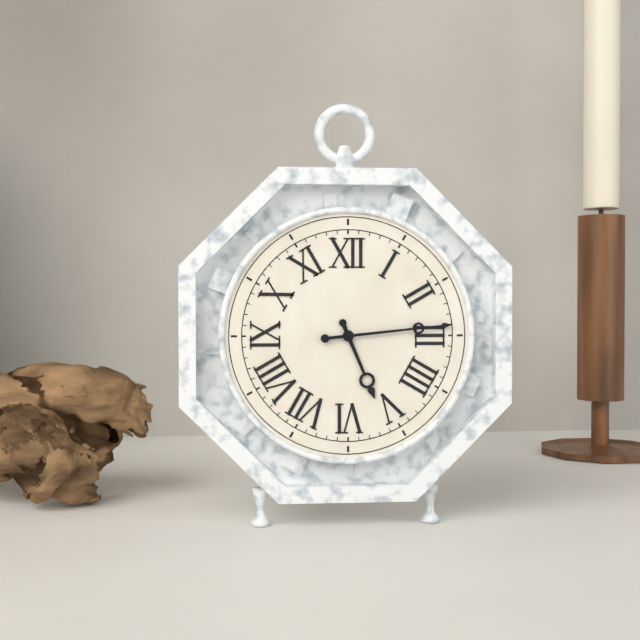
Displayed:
5.14
